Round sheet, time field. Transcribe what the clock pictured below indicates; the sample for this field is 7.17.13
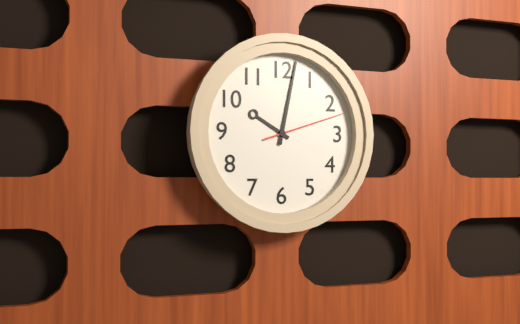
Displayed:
10.02.12
